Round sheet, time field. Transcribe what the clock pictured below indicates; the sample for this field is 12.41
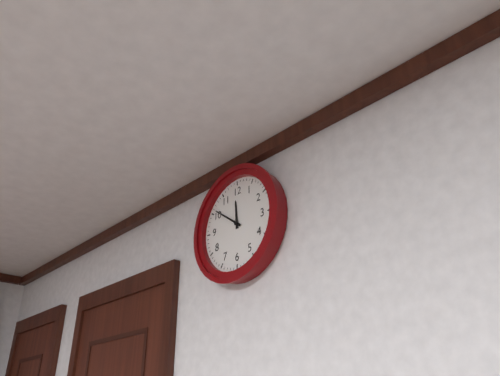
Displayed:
11.51
